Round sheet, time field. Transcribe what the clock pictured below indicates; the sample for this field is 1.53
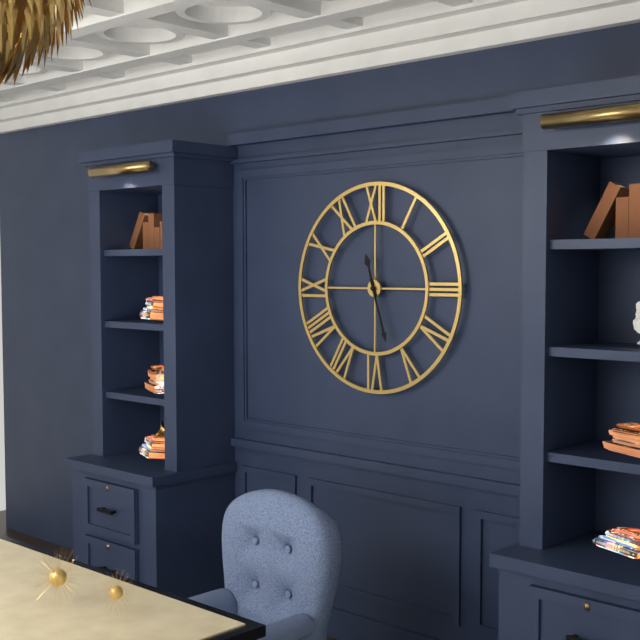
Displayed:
11.27
